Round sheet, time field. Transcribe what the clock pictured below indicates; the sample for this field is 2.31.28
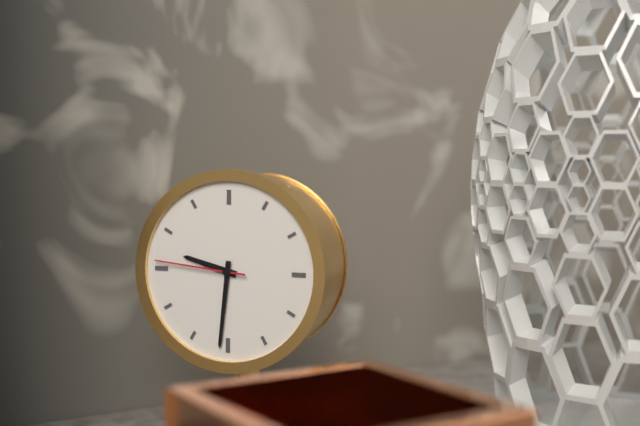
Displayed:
9.31.46
